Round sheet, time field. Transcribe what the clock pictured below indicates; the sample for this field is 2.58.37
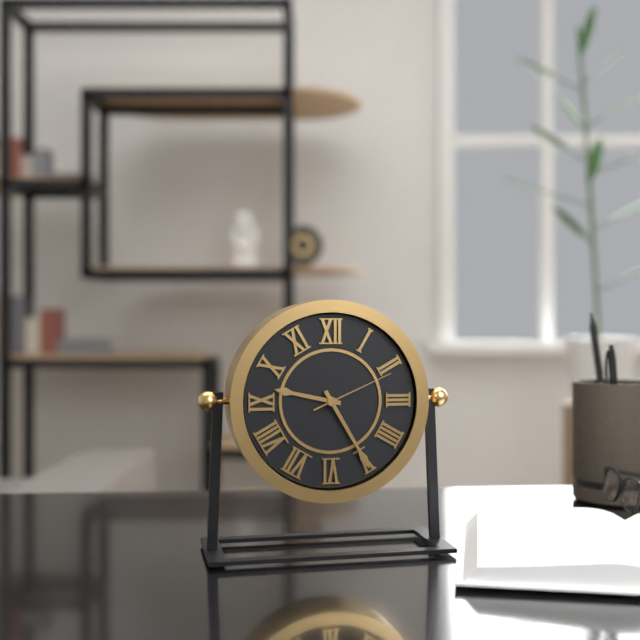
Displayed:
9.25.11
